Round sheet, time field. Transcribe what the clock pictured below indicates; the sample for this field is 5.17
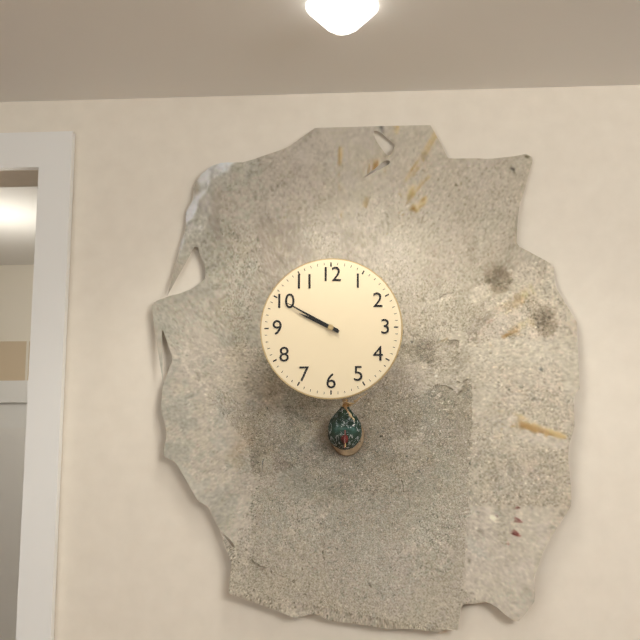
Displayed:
9.50
